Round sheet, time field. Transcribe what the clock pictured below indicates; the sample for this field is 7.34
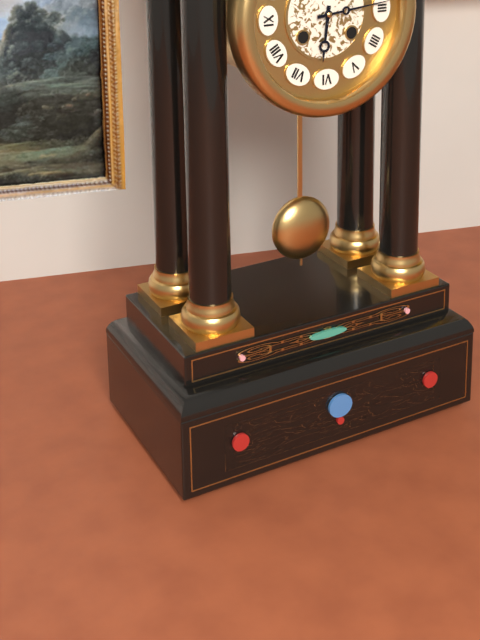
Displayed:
6.14
